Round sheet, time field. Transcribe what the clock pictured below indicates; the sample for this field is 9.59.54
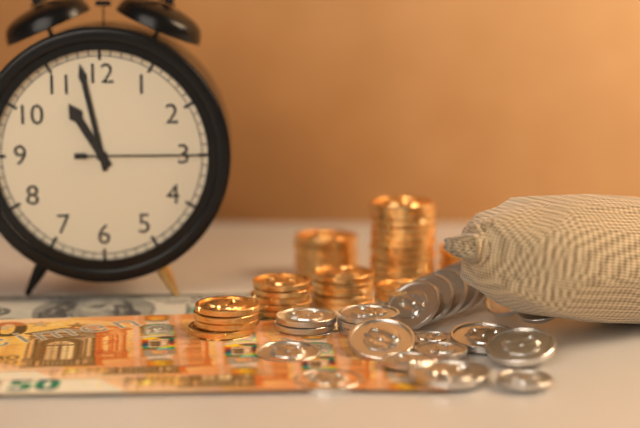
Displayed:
10.58.15
